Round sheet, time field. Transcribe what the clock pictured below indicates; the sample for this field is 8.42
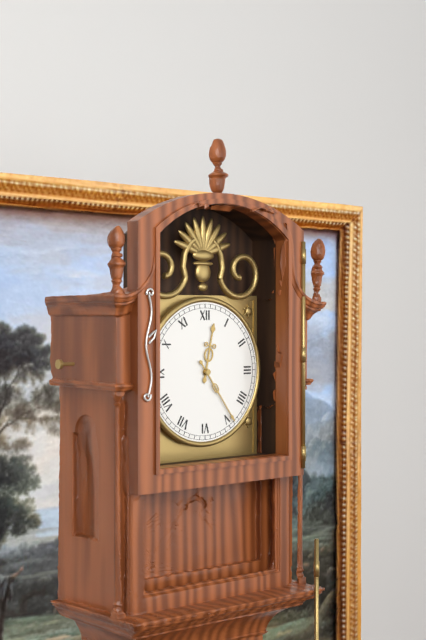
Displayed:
12.24
